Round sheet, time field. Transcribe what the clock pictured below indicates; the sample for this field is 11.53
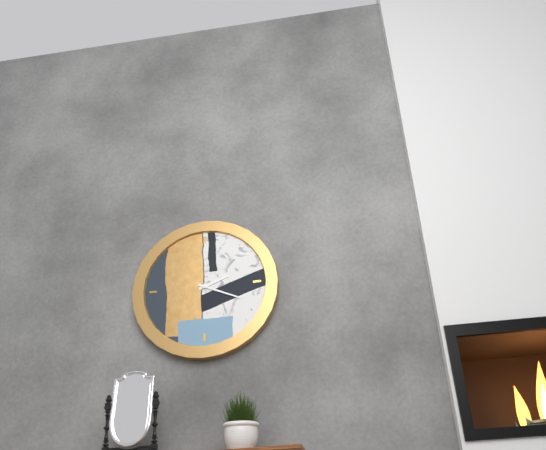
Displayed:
2.19
